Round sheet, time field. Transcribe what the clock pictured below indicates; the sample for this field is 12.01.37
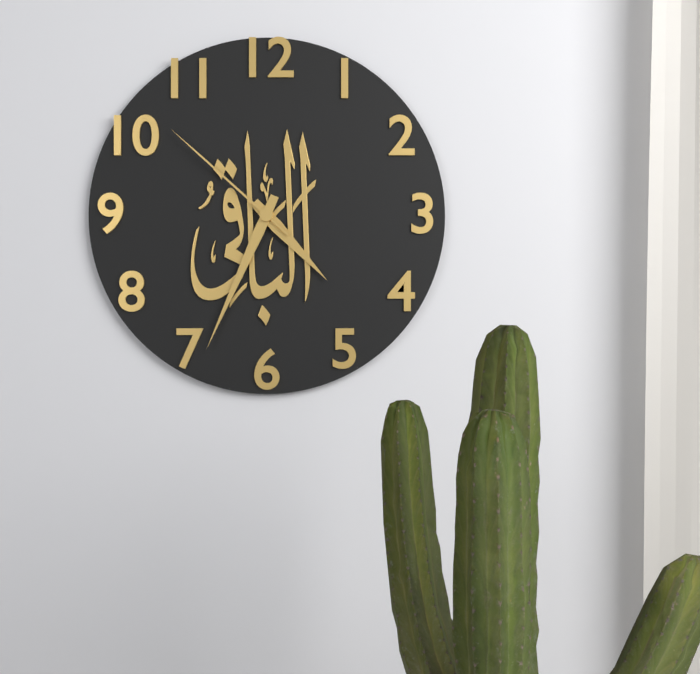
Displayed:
4.34.52
